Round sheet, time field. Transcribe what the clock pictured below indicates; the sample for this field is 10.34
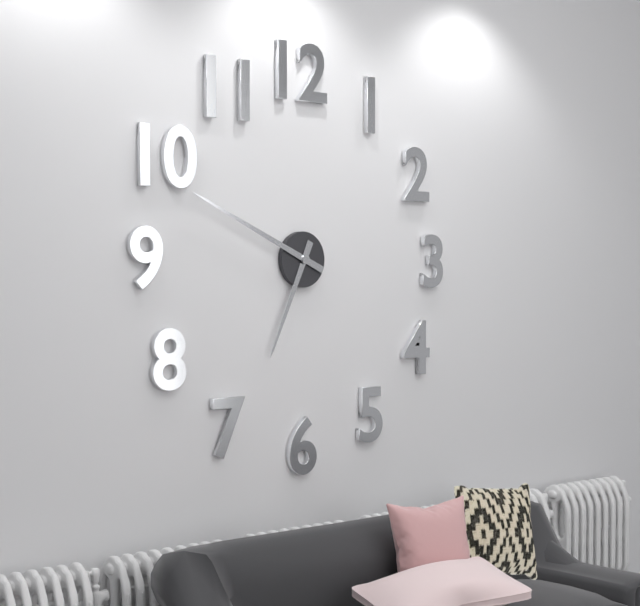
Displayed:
6.49
